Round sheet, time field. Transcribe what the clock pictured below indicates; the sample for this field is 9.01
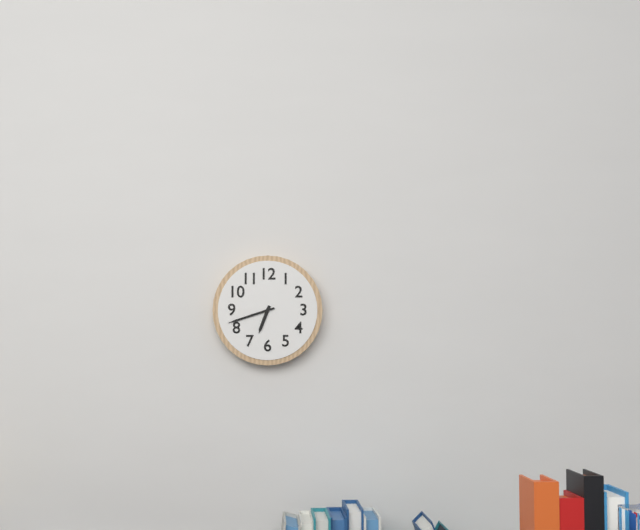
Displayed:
6.42
